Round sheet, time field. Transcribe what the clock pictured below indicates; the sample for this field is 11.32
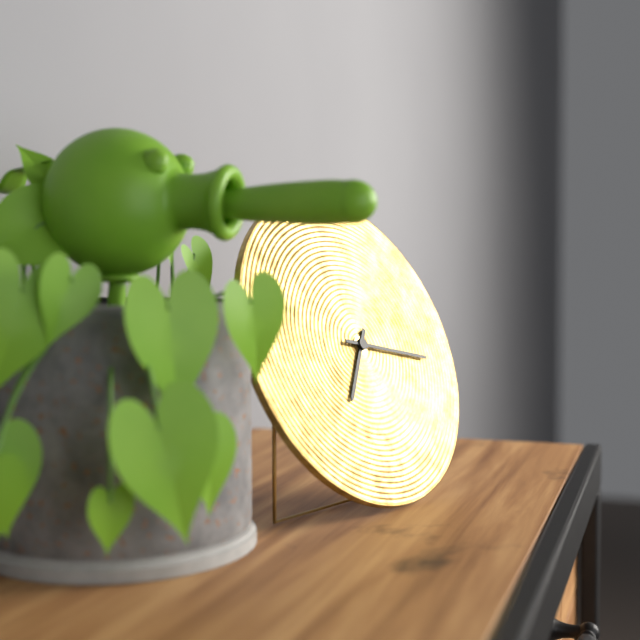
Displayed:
7.17
